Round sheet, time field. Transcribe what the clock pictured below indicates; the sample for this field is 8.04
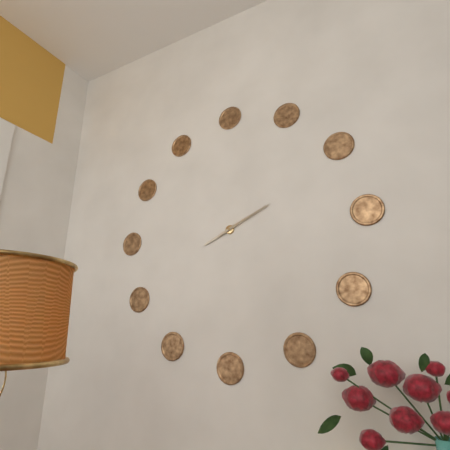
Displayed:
8.11
